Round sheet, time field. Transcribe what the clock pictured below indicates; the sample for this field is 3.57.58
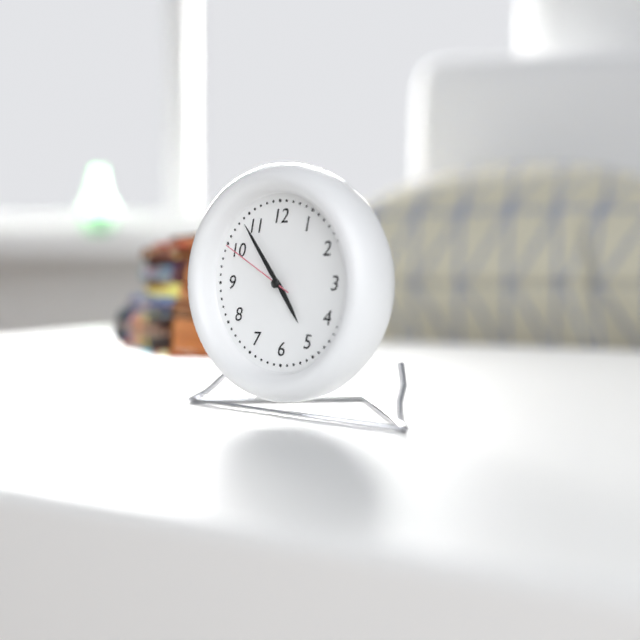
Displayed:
4.54.50
